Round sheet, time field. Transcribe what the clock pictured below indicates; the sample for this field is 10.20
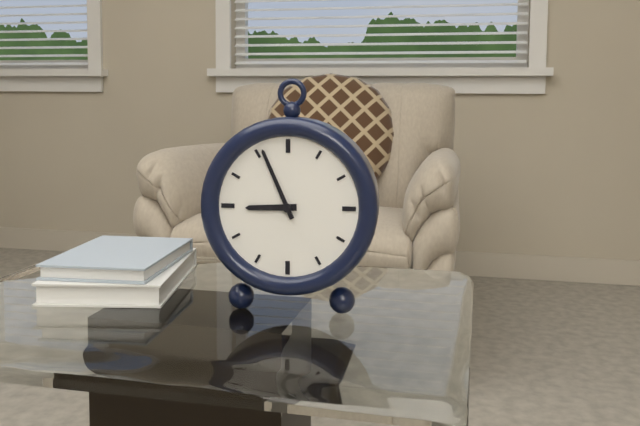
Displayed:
8.56
